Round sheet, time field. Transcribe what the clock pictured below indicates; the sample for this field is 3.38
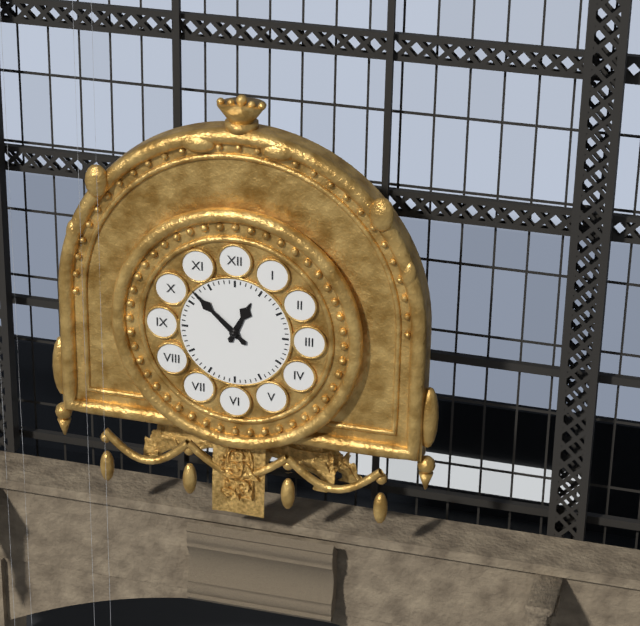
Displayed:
12.52
